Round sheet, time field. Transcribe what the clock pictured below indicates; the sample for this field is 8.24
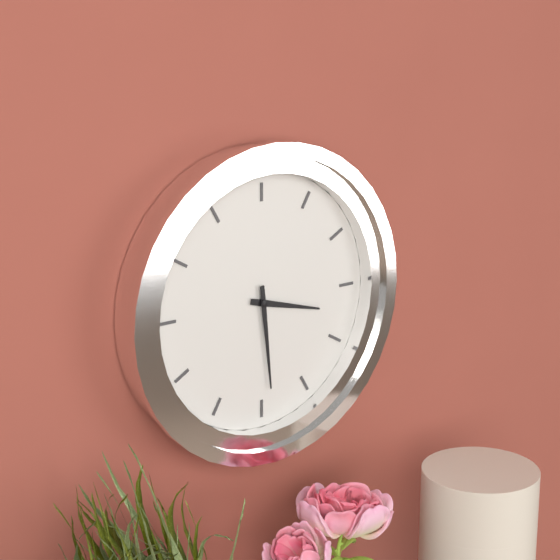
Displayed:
3.29
